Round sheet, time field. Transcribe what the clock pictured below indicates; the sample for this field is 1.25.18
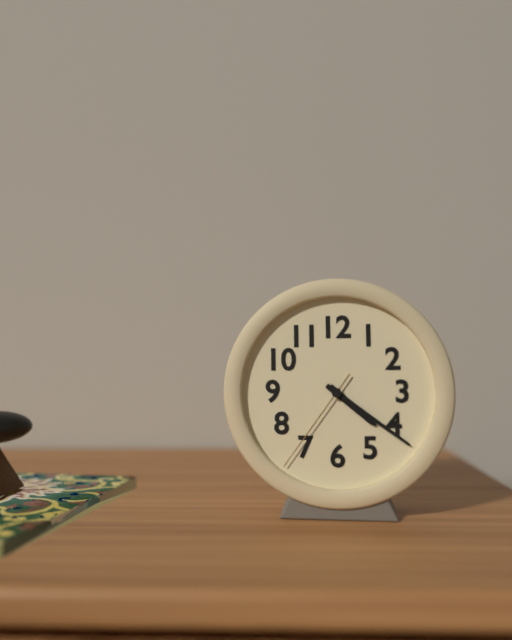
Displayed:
4.21.36
